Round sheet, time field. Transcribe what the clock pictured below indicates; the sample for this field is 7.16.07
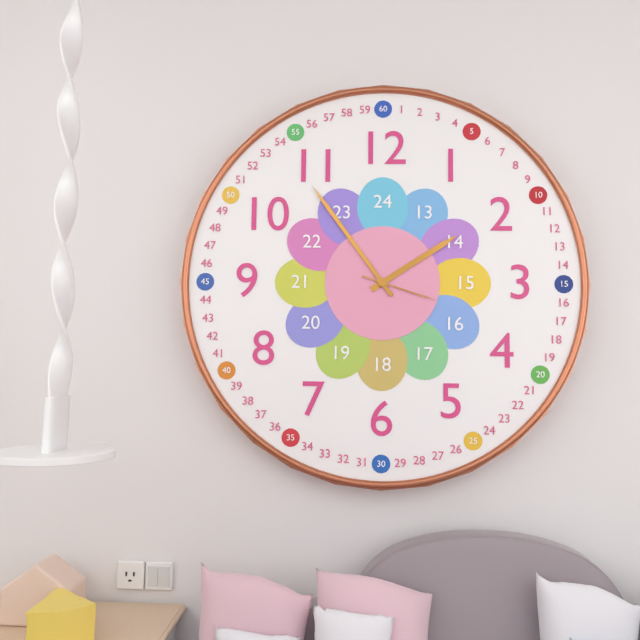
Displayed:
1.54.18
